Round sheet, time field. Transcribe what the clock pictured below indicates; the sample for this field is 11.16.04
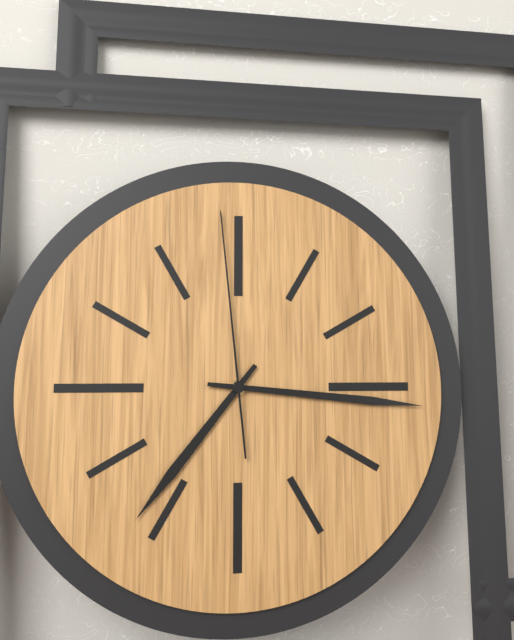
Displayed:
7.16.59
